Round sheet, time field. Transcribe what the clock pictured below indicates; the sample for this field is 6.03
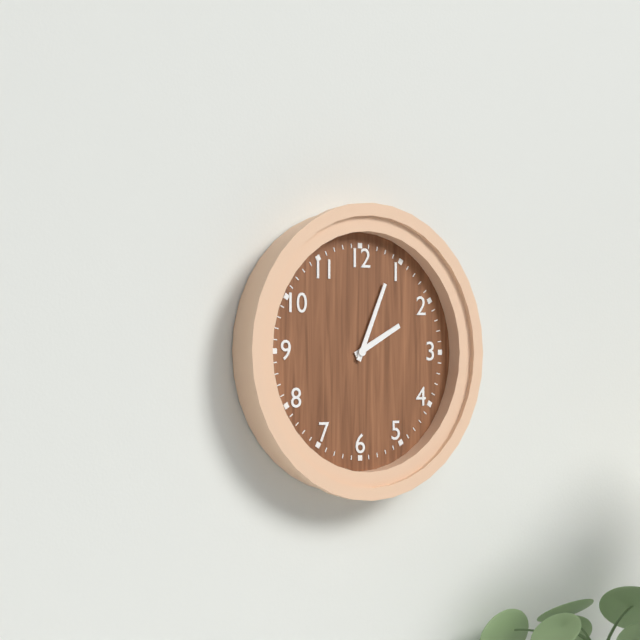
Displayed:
2.04
